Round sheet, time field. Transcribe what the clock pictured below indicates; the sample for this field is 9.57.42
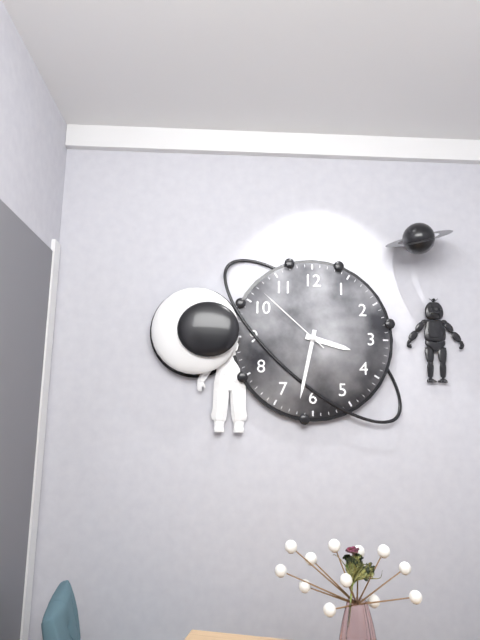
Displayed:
3.32.52
